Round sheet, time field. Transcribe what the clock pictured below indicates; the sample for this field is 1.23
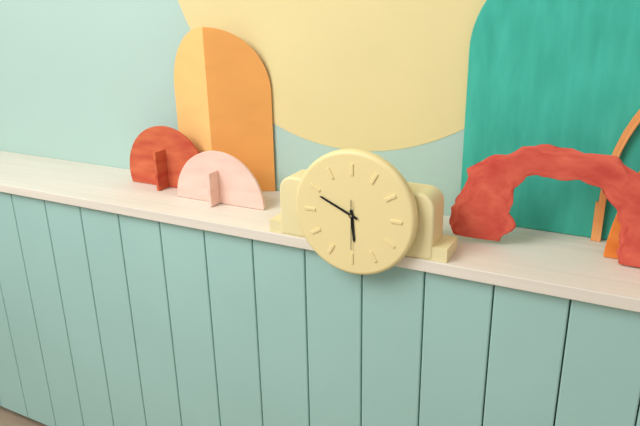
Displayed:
5.49
